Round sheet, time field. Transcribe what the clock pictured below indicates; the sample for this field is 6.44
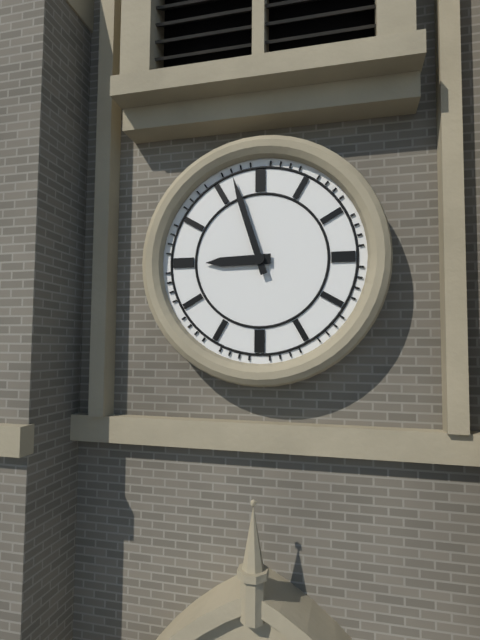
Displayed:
8.57
